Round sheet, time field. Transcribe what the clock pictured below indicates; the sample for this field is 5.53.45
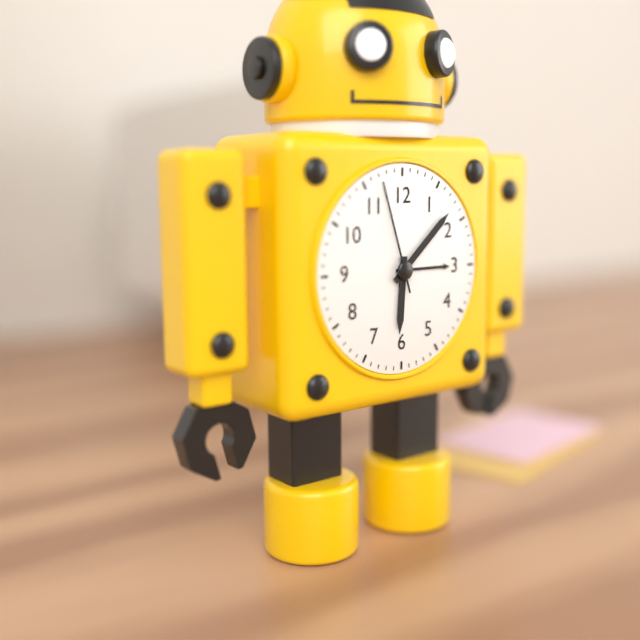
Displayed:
6.08.57
